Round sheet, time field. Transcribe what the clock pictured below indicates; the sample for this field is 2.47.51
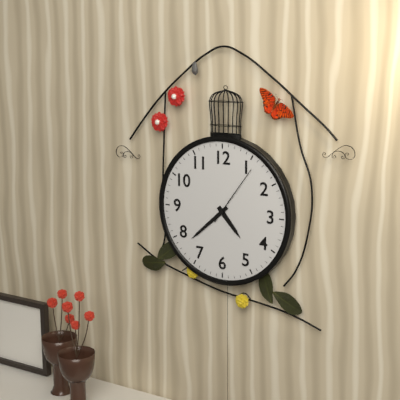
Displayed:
4.38.06
